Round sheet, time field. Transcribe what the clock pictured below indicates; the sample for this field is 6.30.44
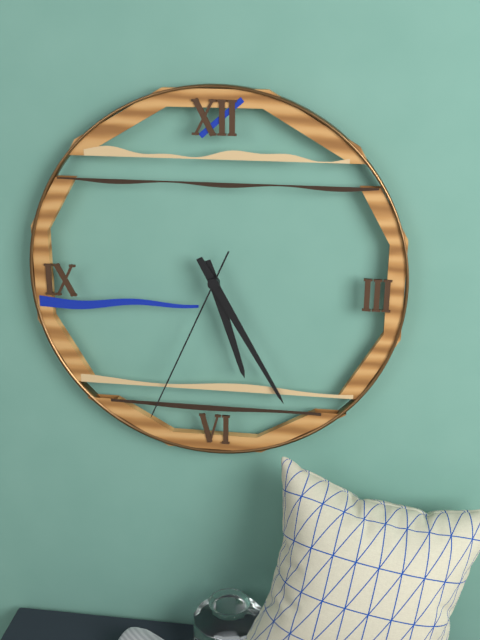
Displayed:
5.25.34
